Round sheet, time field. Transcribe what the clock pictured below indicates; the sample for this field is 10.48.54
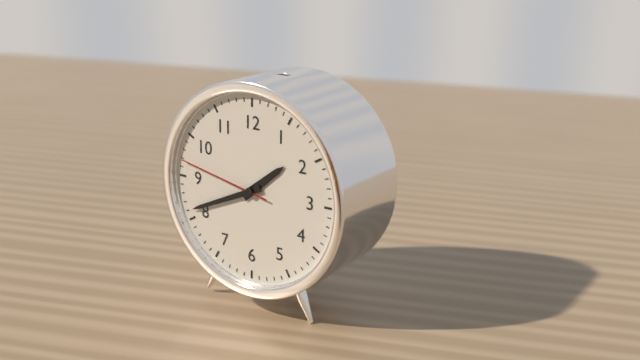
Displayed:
1.41.47
